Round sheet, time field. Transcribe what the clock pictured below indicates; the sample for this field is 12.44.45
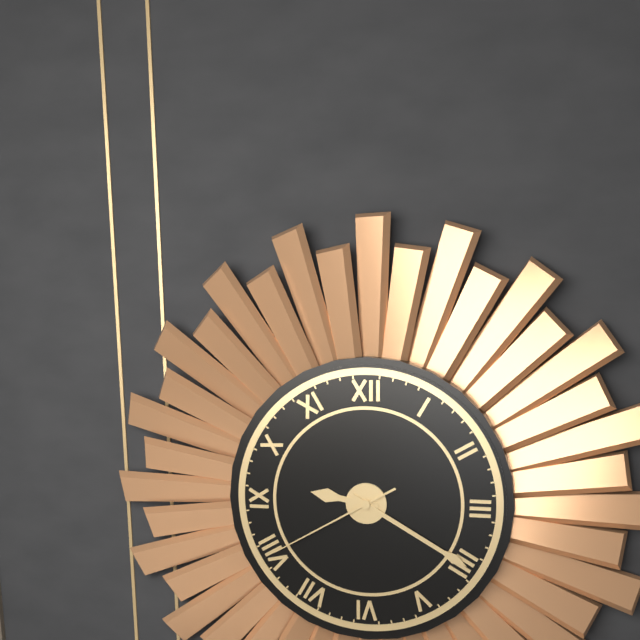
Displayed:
9.20.40
